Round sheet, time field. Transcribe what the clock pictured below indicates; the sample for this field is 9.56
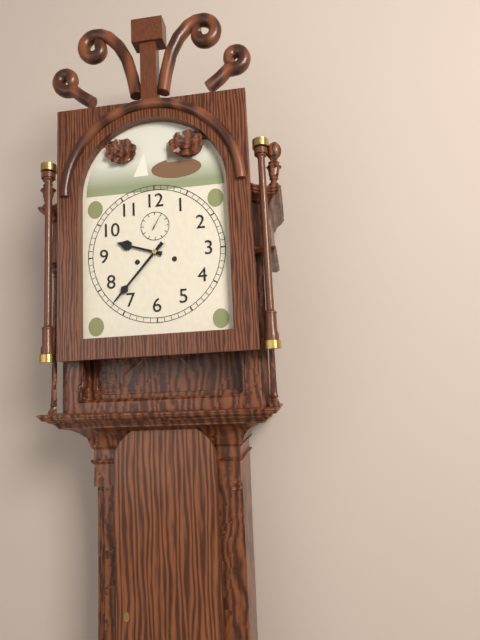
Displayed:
9.37
